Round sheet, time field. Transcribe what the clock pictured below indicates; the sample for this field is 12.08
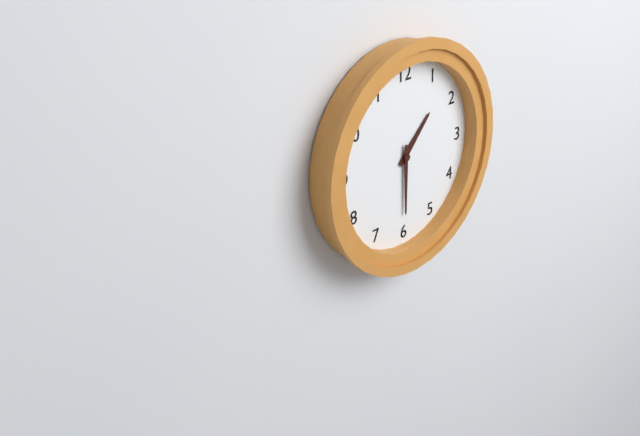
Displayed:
1.30
